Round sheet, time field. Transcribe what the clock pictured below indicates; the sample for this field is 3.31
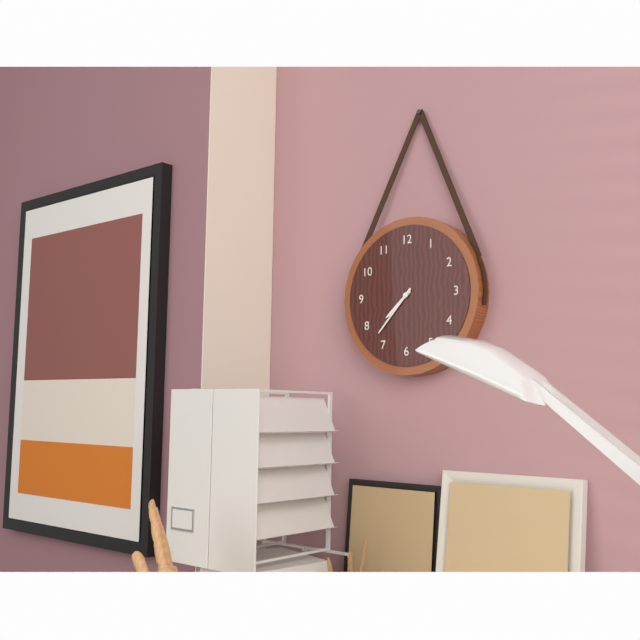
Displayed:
7.37
